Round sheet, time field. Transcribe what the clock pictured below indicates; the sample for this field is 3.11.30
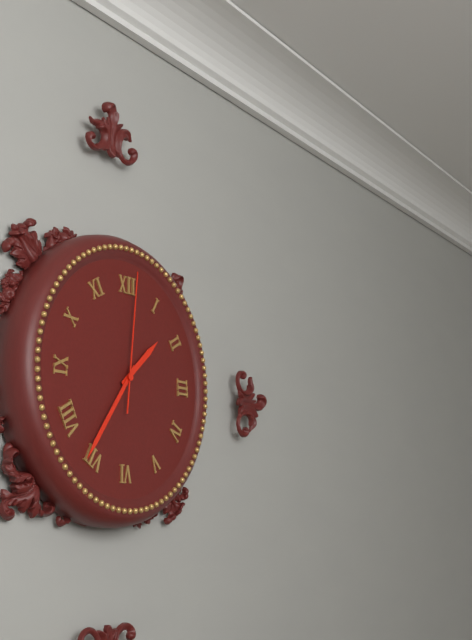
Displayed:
1.36.01
